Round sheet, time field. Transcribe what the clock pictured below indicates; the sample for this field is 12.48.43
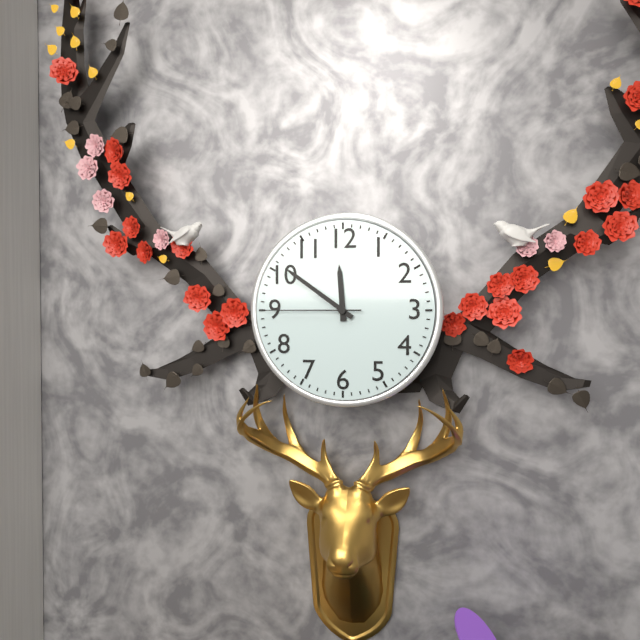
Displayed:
11.51.45
